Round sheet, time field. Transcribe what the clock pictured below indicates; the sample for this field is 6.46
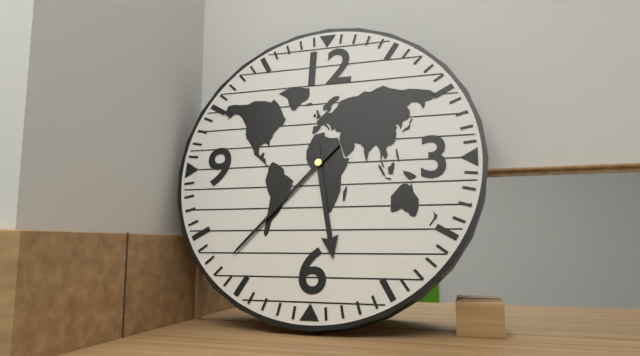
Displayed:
5.37
